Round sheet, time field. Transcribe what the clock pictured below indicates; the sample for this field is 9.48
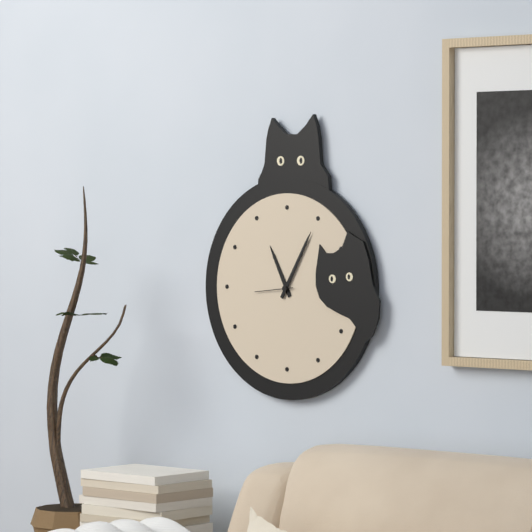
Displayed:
11.05
